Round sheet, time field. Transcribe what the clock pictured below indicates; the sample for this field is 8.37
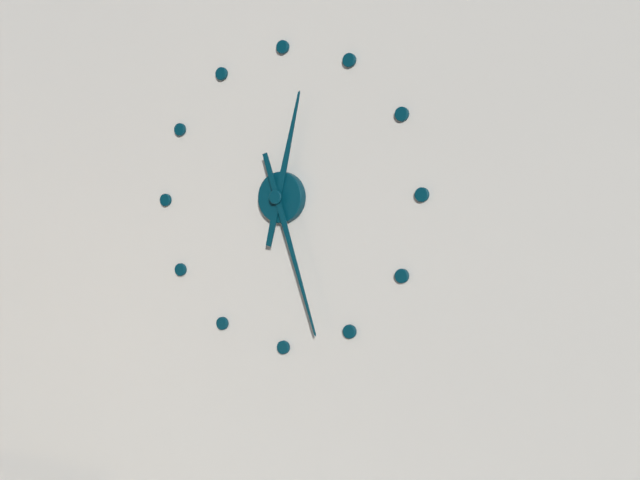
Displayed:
12.27
